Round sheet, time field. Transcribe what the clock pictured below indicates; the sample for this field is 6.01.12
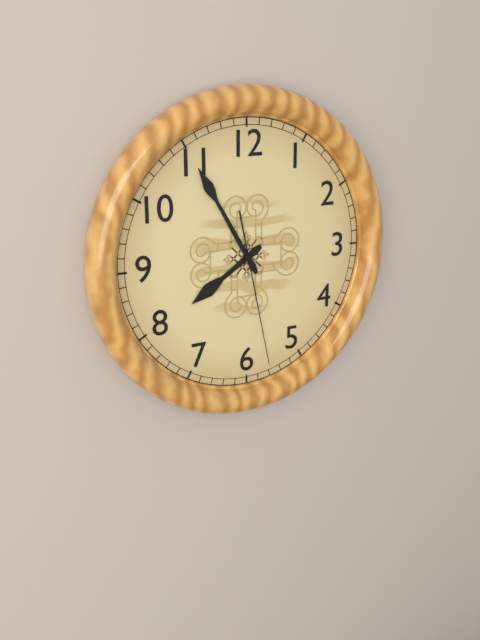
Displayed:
7.55.28
